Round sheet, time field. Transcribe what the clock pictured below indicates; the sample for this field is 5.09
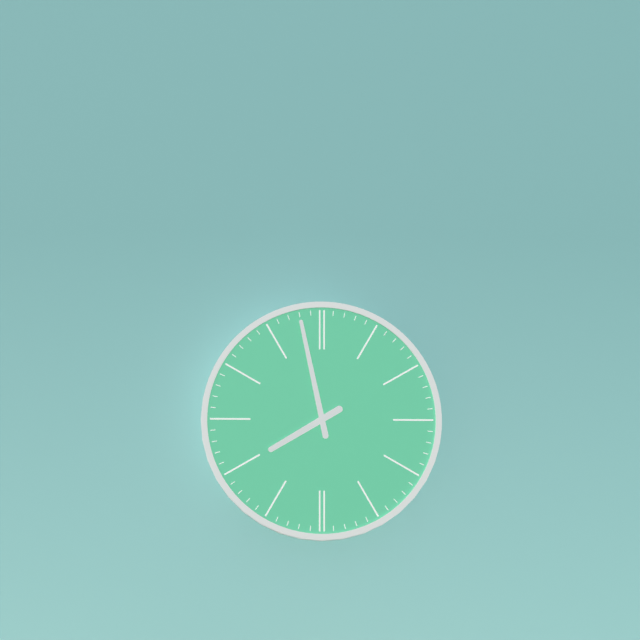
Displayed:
7.58
